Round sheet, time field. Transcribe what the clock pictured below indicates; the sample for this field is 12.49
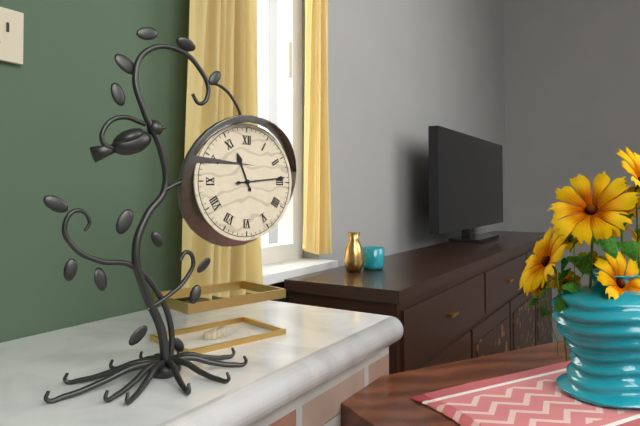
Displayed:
11.14
